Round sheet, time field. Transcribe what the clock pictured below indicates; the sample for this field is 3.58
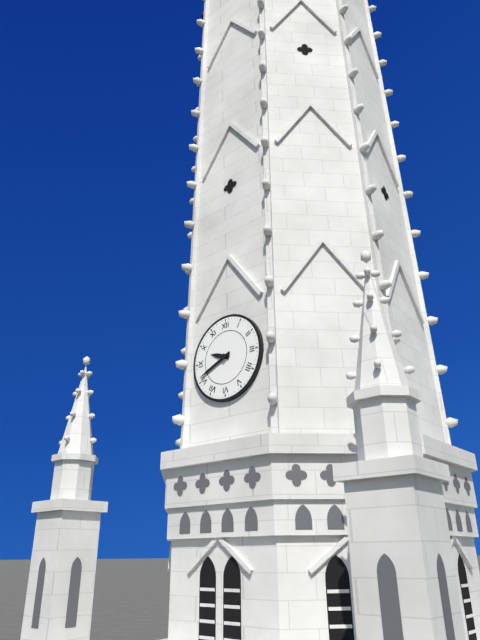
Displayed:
9.41
